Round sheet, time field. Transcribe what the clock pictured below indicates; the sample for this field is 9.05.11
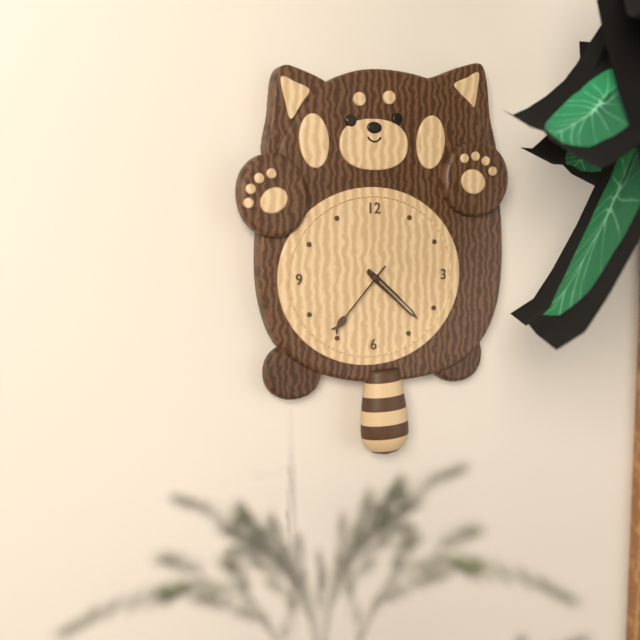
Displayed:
4.22.37
